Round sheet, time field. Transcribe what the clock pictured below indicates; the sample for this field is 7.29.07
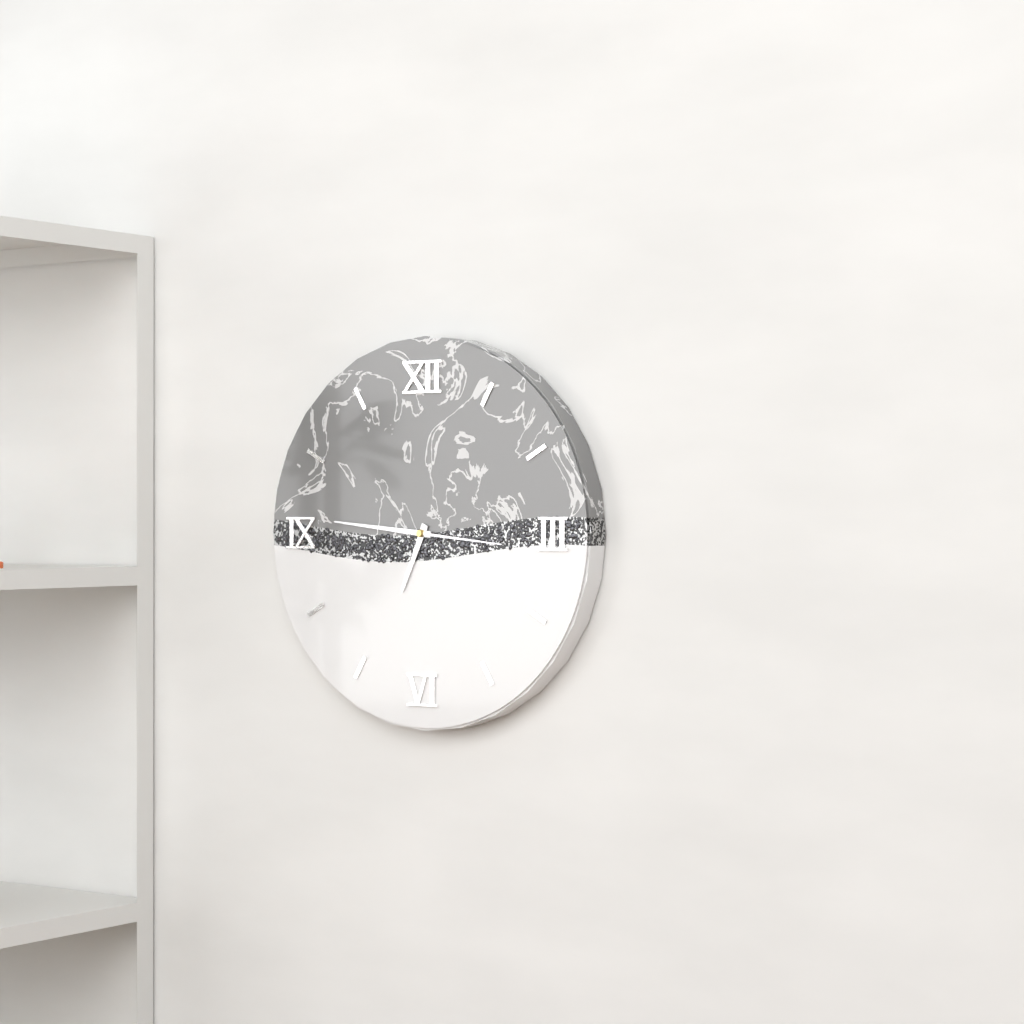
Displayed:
6.46.16
